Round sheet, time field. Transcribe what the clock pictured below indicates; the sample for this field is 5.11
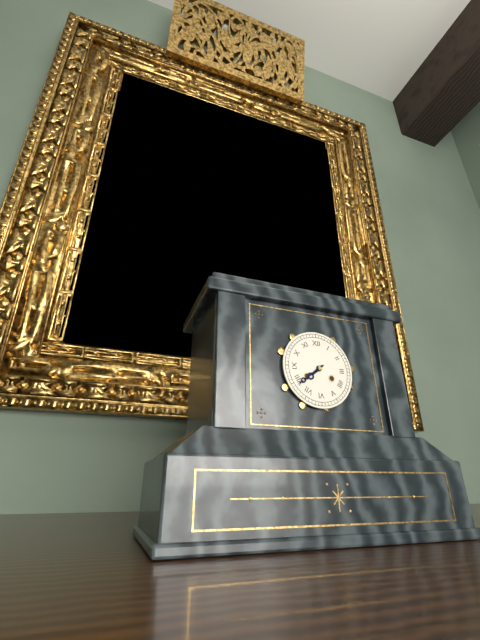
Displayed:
7.39
